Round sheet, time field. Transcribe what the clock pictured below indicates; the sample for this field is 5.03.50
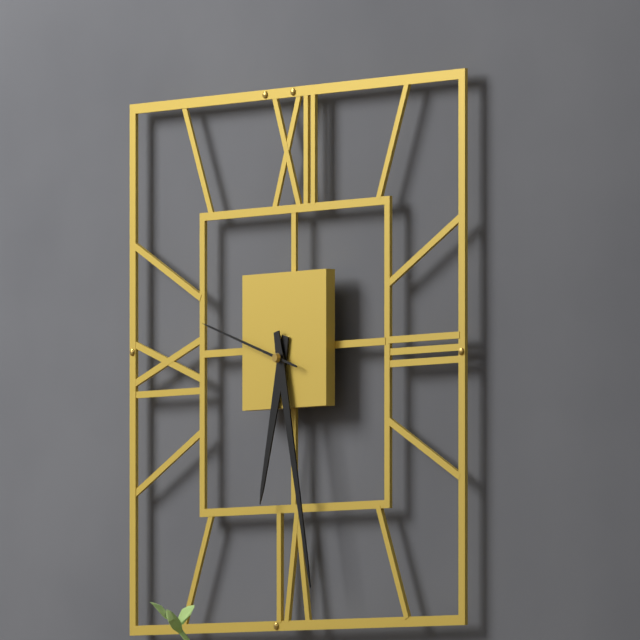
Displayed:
6.28.48
